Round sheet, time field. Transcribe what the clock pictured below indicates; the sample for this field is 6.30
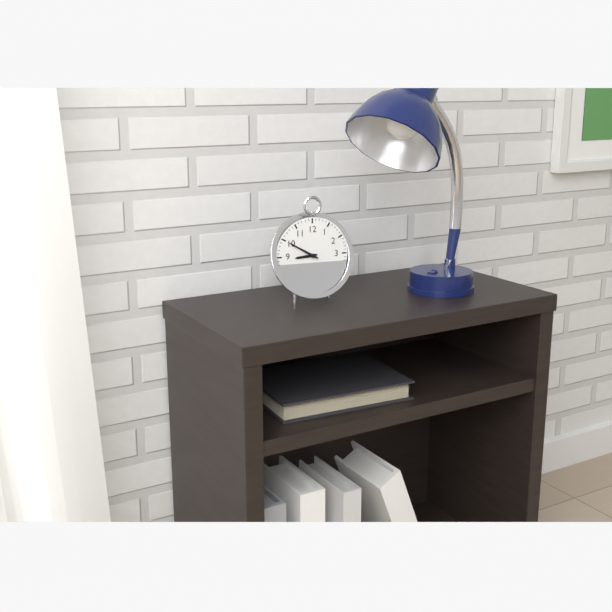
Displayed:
8.50
